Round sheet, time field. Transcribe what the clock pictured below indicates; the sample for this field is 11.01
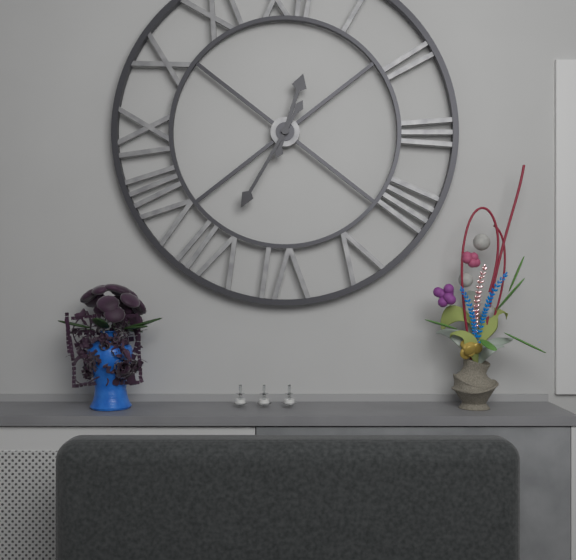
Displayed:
12.35
